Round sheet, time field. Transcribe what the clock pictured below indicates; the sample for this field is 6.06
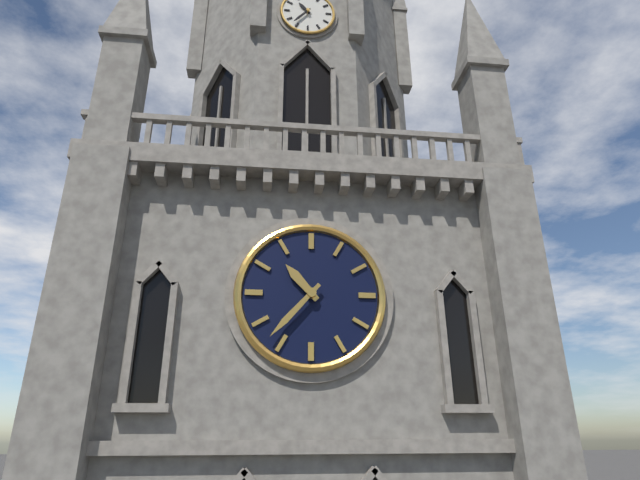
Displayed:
10.37
